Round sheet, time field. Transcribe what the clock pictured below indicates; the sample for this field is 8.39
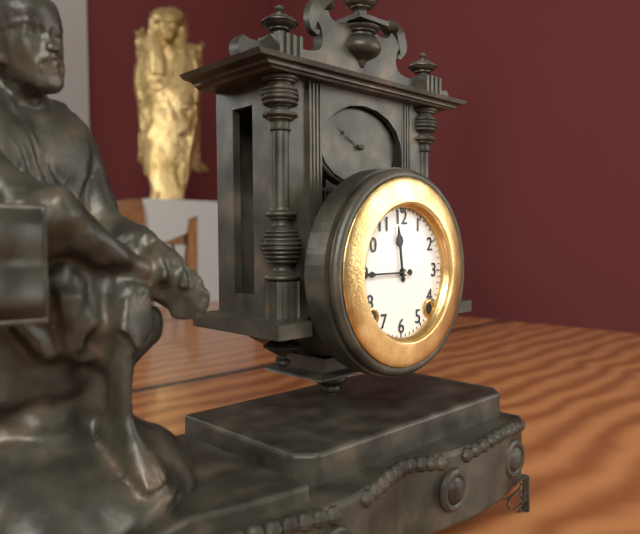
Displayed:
11.45
